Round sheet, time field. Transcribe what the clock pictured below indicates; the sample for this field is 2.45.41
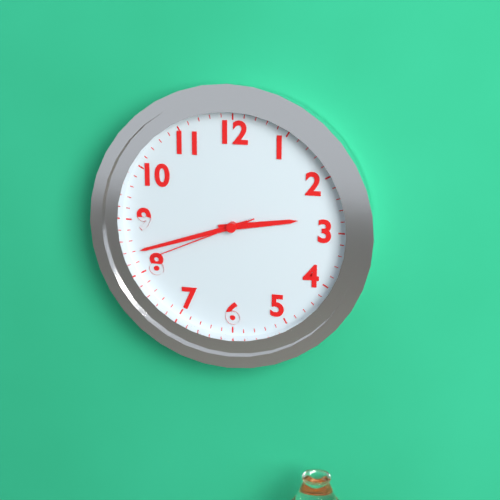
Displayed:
2.42.41
